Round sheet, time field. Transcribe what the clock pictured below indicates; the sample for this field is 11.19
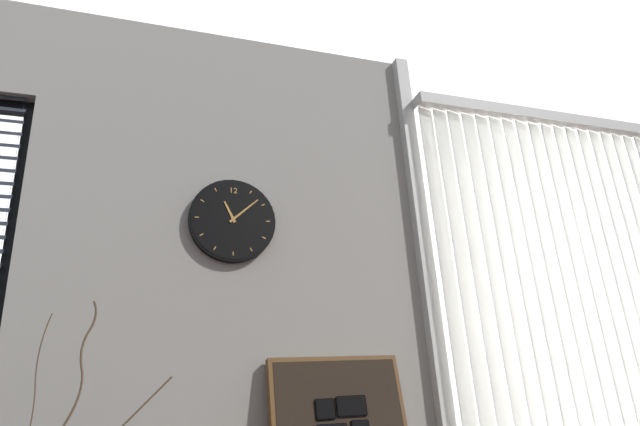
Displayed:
11.08
